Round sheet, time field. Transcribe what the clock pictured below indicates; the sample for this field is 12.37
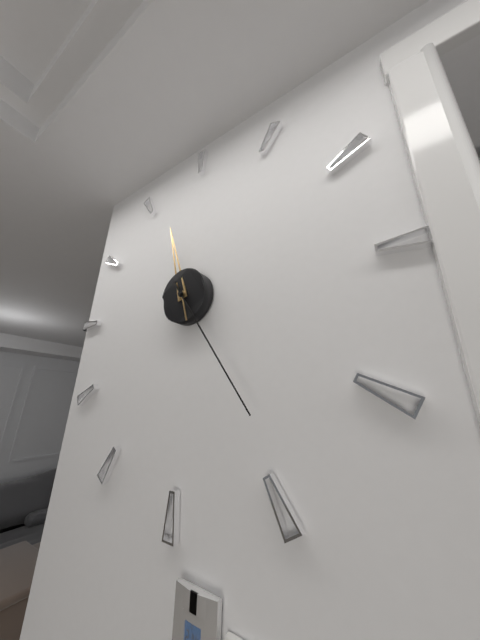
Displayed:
11.24
